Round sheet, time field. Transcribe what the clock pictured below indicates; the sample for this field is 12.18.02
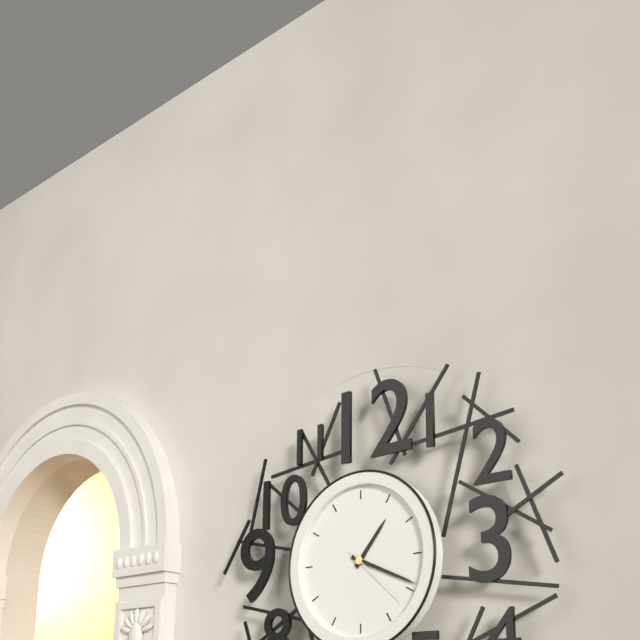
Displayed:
1.19.22
